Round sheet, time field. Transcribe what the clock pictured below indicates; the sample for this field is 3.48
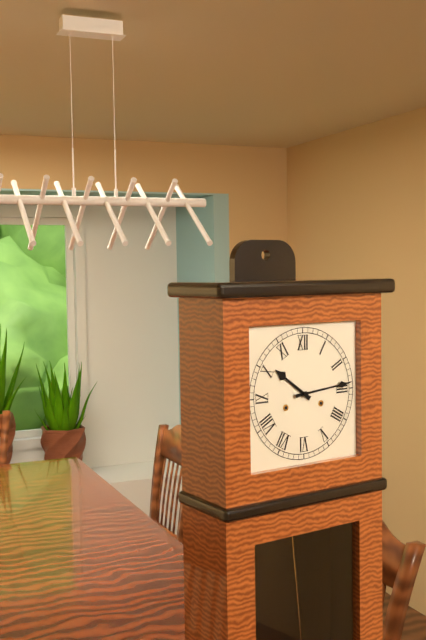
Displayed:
10.14
